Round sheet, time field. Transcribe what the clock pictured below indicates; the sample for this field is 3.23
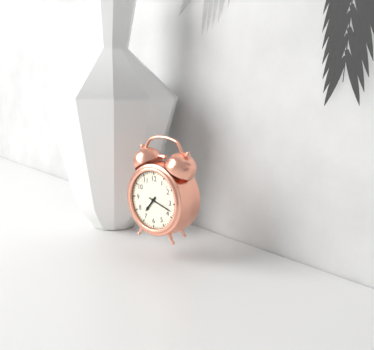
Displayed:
7.18
